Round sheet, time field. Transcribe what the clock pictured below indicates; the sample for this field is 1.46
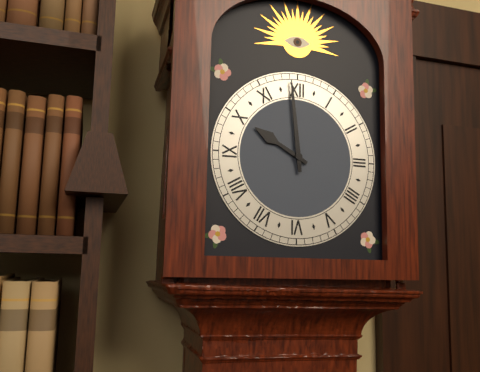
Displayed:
9.59
